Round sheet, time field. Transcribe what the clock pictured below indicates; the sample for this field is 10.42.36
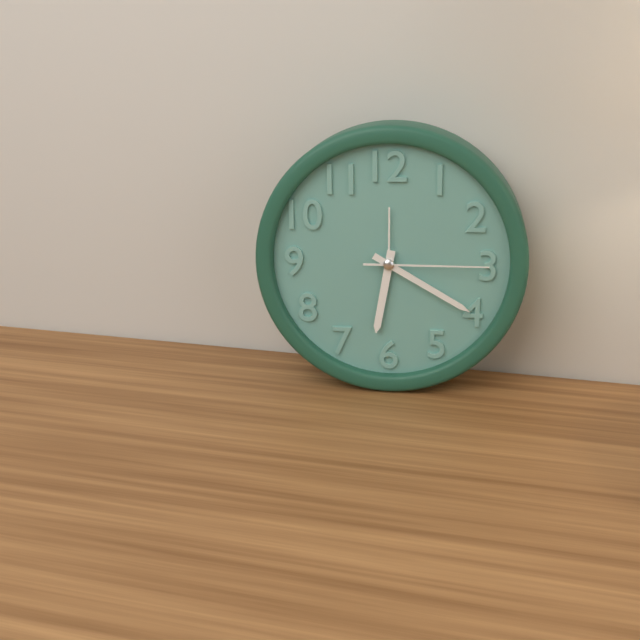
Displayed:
6.20.15
